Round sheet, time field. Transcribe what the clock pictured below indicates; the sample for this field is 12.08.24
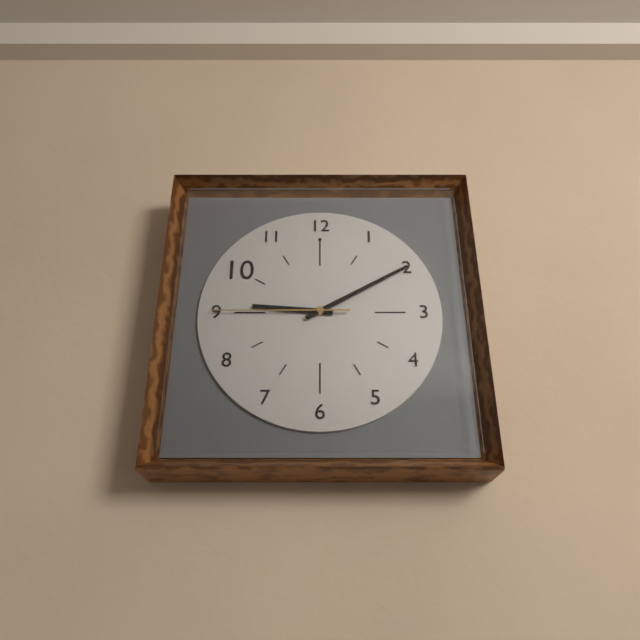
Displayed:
9.10.45
